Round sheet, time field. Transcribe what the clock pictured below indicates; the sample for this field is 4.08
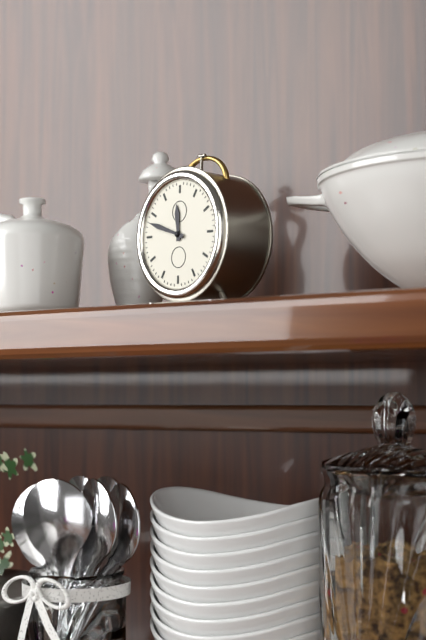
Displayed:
11.48
